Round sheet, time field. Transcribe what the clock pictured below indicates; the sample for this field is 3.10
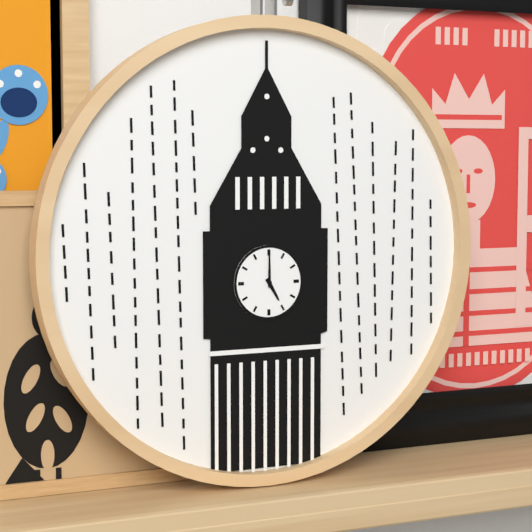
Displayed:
5.00
